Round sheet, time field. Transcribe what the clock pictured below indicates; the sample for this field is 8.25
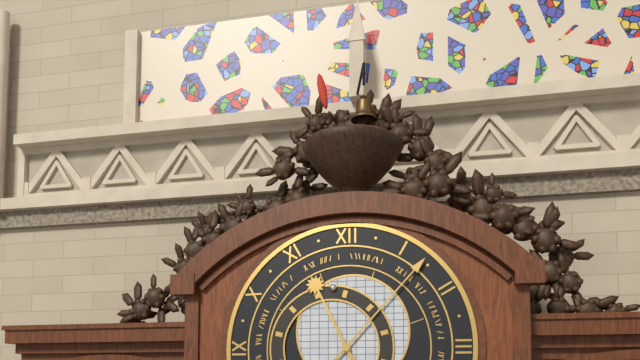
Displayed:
11.07
